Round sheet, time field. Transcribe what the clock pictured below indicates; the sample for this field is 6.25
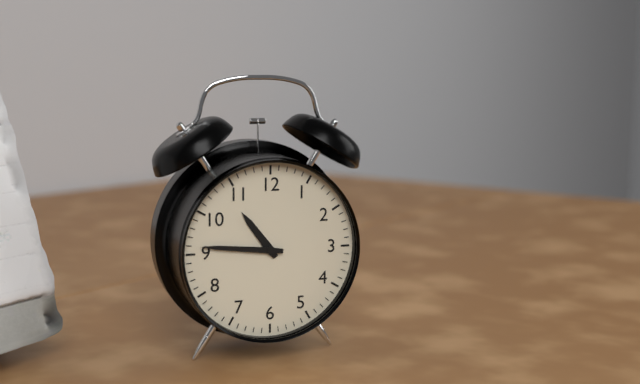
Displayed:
10.46
